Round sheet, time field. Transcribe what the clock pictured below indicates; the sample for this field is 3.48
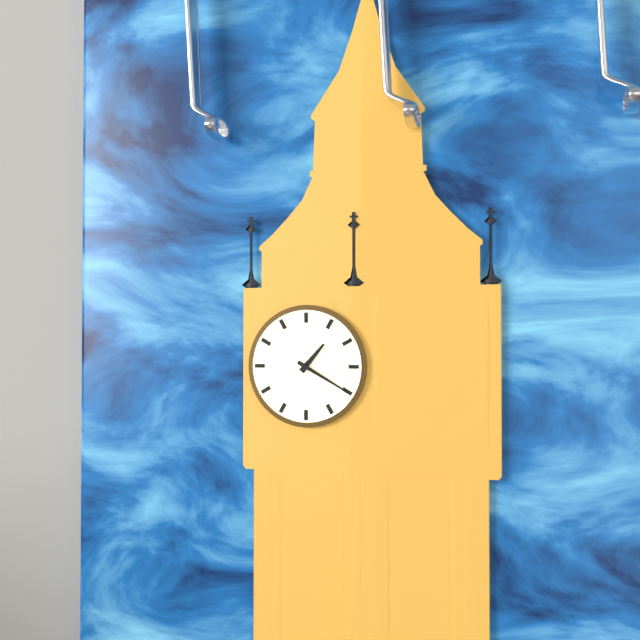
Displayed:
1.20
